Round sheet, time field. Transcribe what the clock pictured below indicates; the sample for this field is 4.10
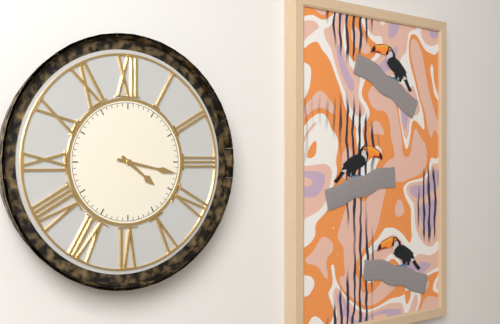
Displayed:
4.17
